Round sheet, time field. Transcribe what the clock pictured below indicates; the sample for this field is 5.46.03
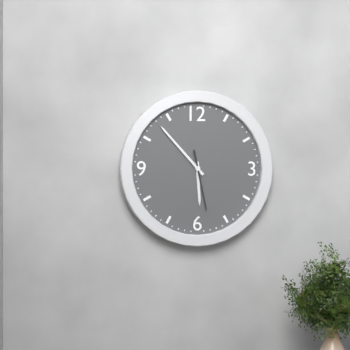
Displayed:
5.53.28
